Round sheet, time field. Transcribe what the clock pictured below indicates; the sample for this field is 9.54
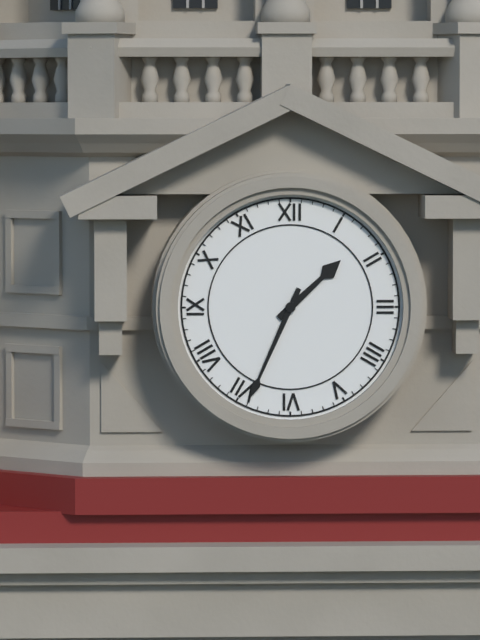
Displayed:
1.34
